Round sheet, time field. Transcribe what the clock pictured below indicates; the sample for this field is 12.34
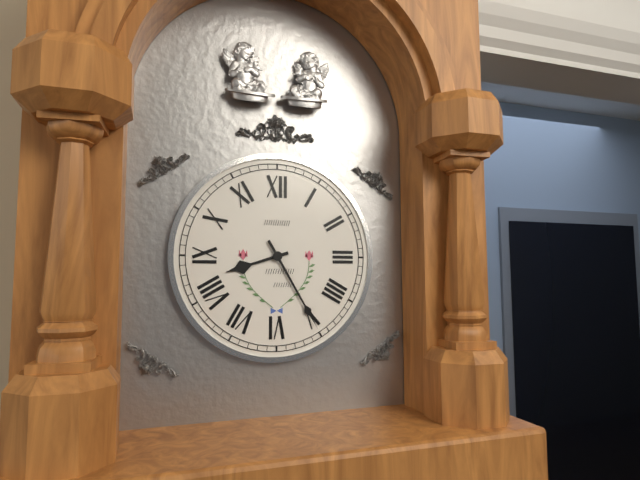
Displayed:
8.25
